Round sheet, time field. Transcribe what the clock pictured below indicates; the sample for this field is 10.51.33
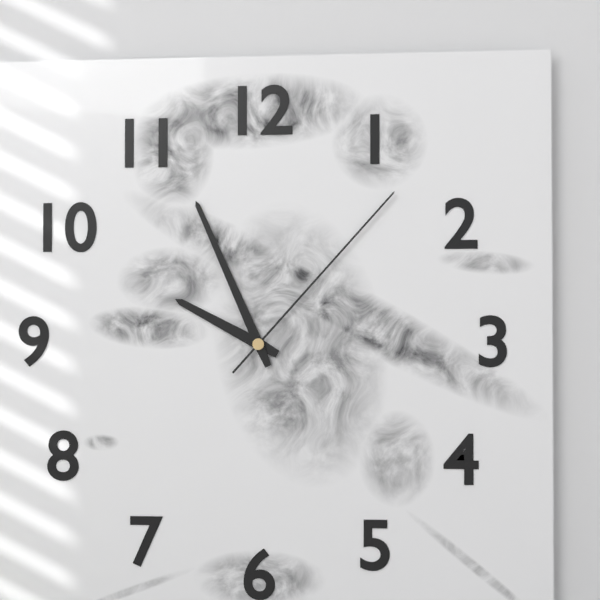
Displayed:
9.56.07
